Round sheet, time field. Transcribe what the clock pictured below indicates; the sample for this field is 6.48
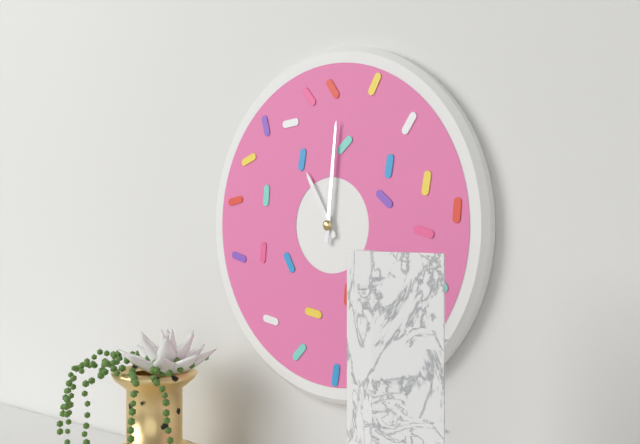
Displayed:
11.01
